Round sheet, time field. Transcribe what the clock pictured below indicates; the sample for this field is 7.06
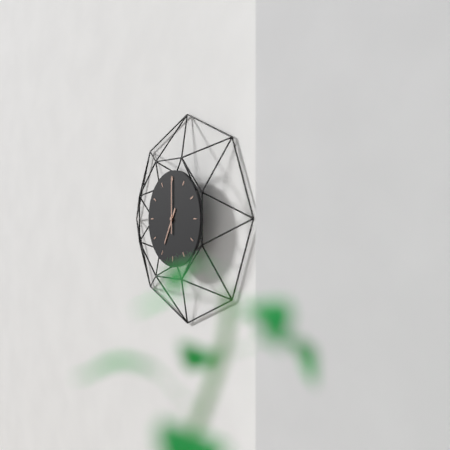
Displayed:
7.00
